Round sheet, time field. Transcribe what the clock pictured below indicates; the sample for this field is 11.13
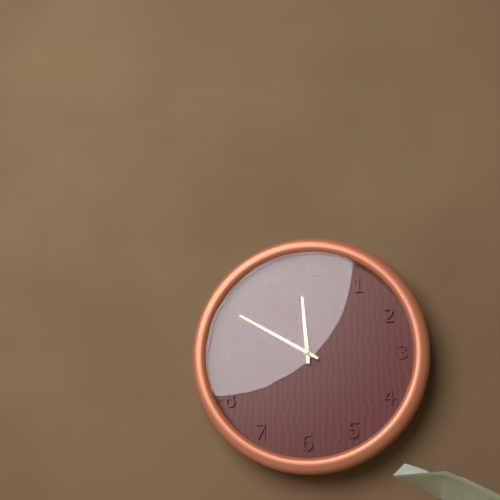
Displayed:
11.50
